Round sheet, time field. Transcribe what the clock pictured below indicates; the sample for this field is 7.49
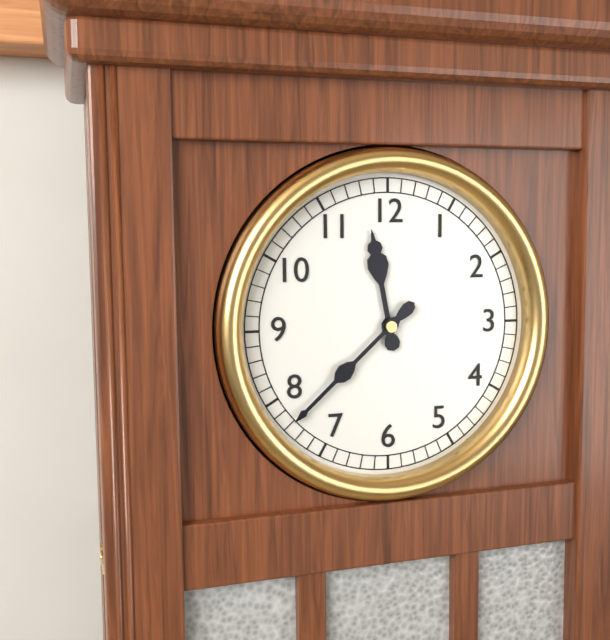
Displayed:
11.38
